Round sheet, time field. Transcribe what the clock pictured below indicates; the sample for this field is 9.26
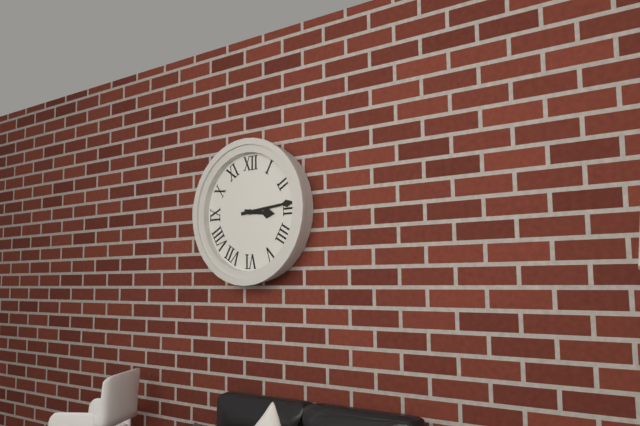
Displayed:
3.14
